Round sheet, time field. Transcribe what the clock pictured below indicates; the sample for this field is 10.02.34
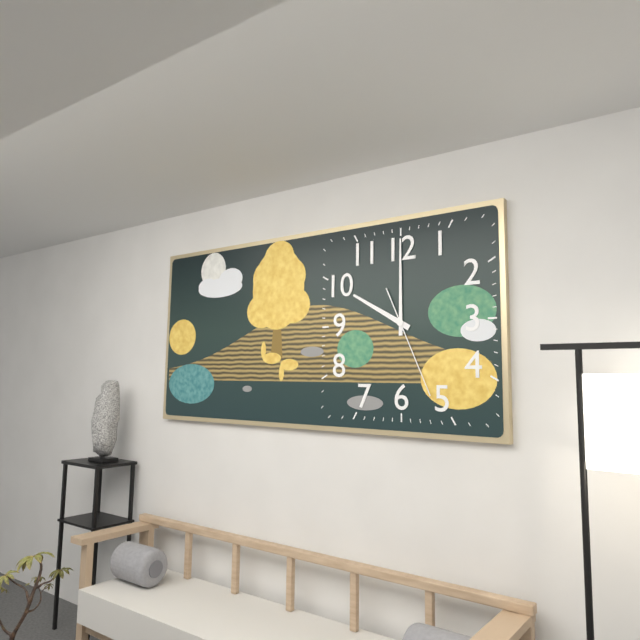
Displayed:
10.00.26
